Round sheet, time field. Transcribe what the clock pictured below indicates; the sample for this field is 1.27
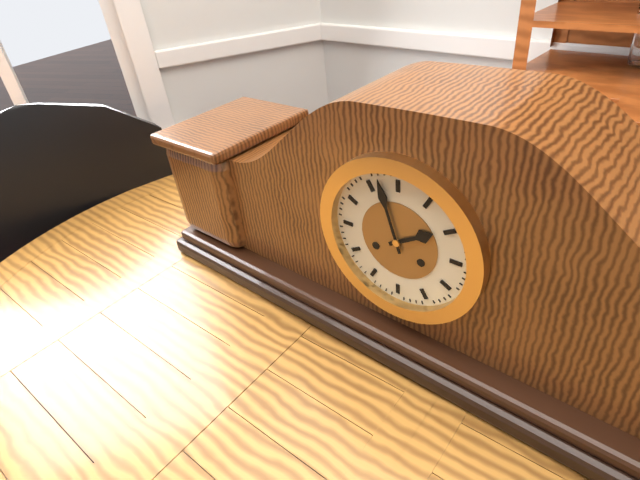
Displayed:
1.57
